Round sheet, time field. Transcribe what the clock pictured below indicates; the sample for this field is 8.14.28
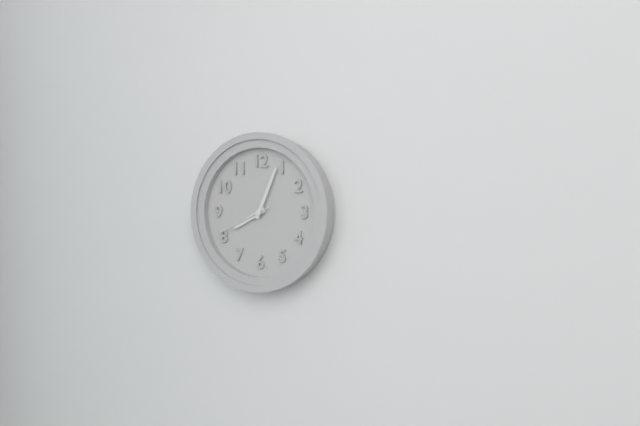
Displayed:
8.04.41
